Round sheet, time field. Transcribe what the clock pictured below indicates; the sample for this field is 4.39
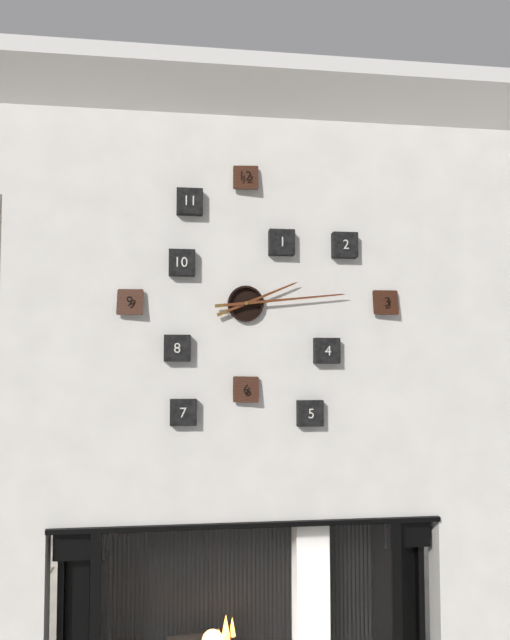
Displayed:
2.14
